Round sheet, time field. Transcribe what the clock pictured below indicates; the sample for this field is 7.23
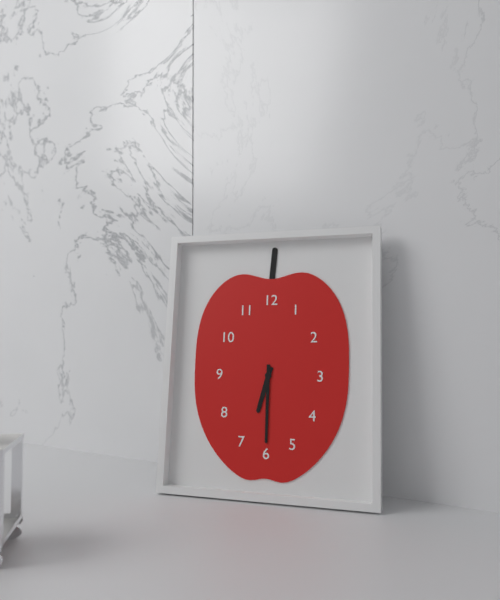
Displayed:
6.30
